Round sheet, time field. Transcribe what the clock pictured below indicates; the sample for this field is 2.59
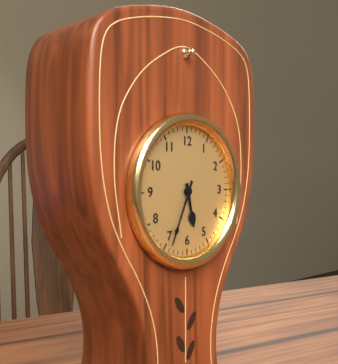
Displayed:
5.34
